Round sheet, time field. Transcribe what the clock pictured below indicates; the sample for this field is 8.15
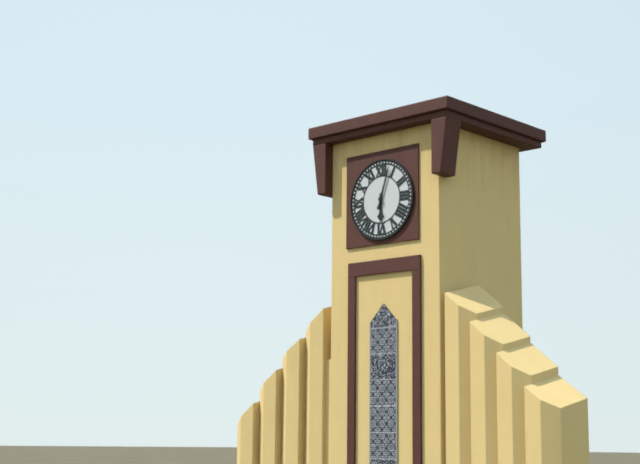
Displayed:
6.03
